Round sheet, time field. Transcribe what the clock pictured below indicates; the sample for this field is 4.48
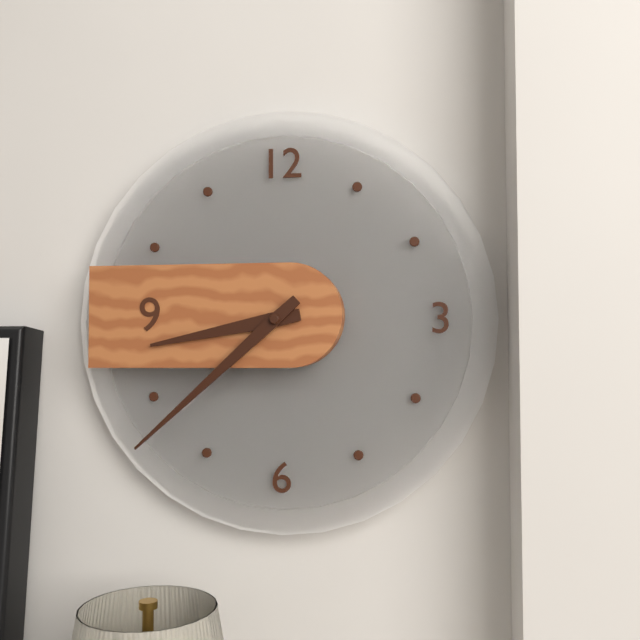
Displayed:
8.38
